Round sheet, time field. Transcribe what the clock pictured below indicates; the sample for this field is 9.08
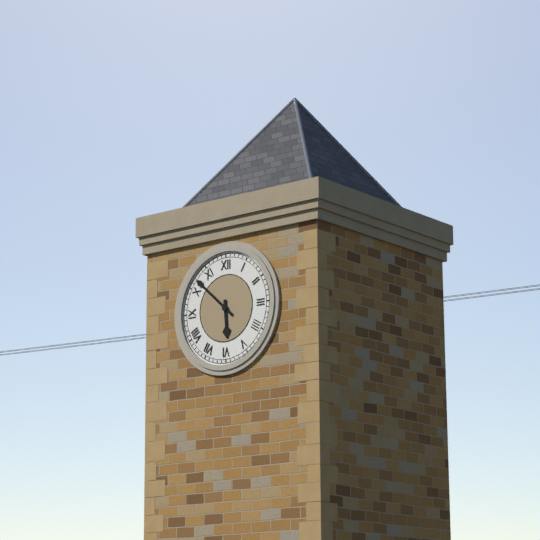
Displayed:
5.52
